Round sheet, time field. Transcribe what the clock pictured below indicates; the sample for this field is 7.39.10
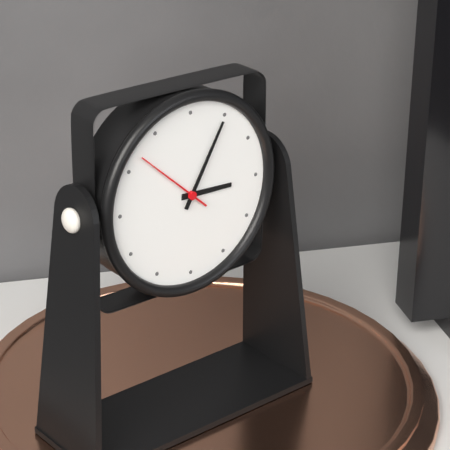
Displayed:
3.05.52
